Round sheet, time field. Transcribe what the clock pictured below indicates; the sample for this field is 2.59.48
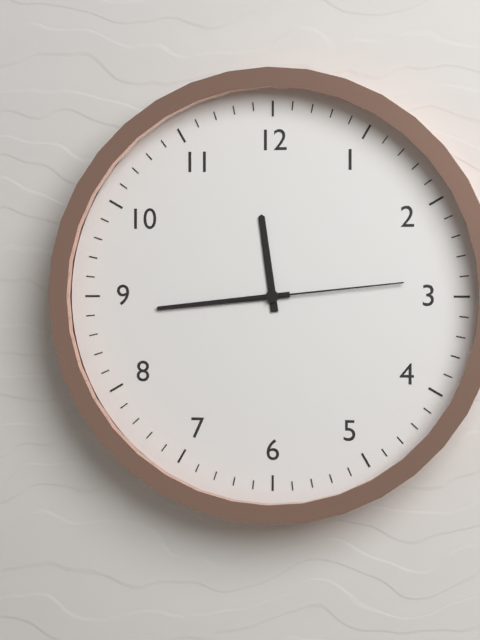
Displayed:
11.44.14
